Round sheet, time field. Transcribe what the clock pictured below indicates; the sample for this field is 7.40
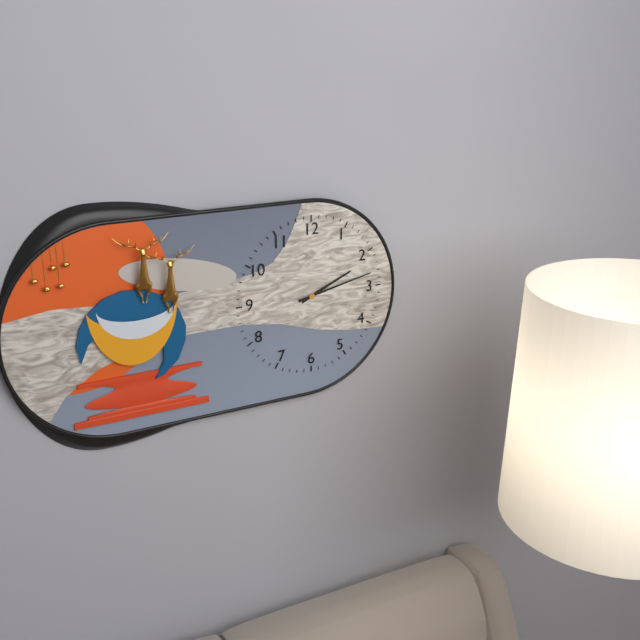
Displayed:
2.13
